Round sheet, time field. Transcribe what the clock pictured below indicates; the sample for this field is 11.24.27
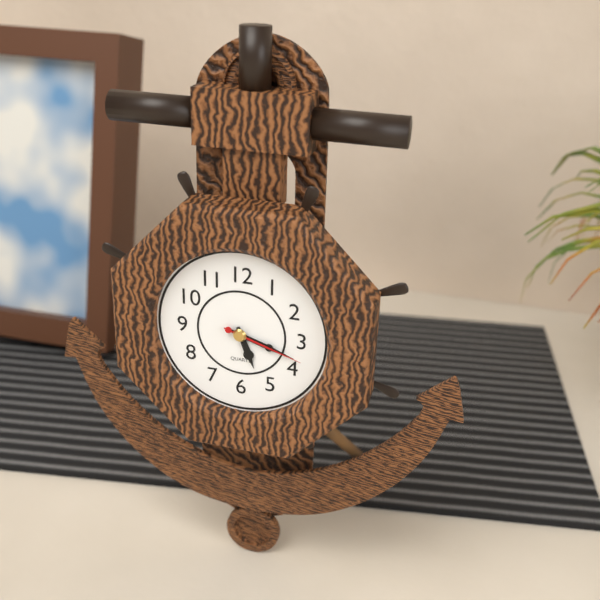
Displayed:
5.18.18
